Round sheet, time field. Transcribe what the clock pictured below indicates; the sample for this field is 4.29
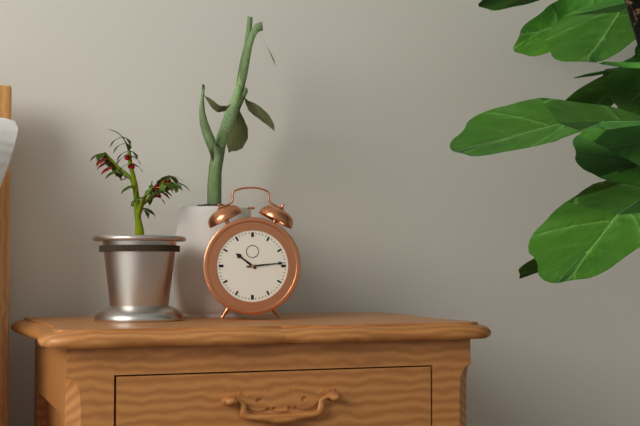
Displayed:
10.14
